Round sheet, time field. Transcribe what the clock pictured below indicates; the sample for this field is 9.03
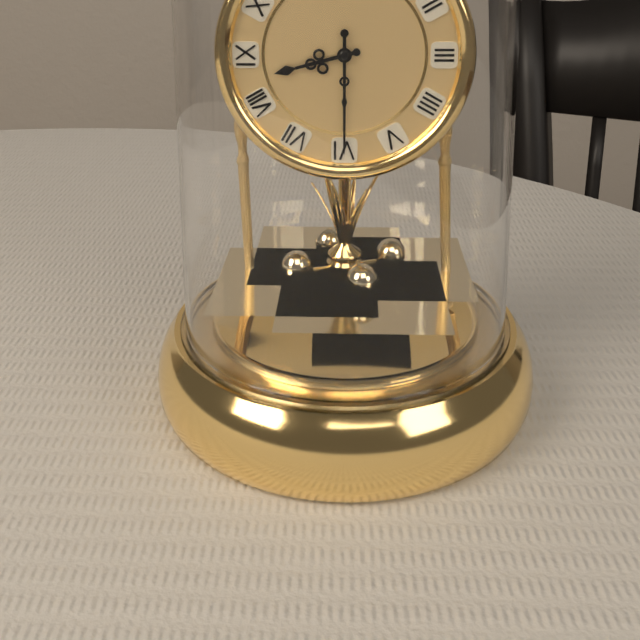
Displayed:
8.30
